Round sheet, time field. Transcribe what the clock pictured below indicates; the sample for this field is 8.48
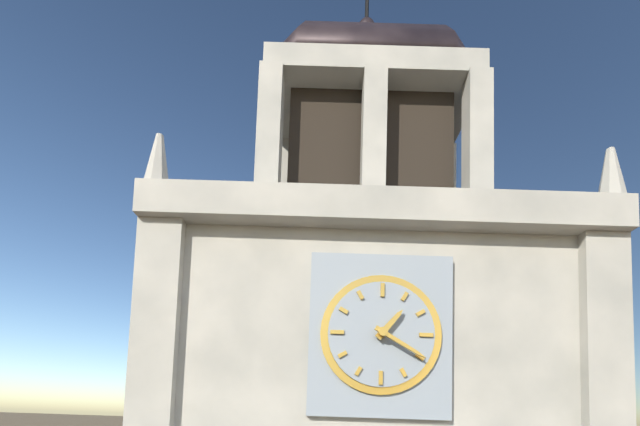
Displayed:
1.20
